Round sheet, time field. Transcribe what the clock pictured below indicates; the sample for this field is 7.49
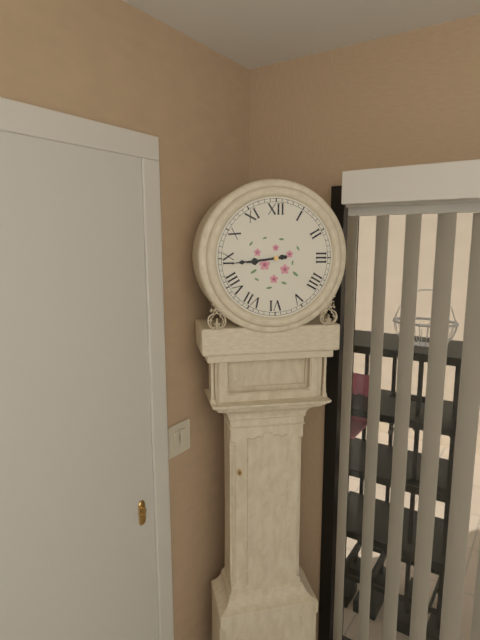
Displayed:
8.44
